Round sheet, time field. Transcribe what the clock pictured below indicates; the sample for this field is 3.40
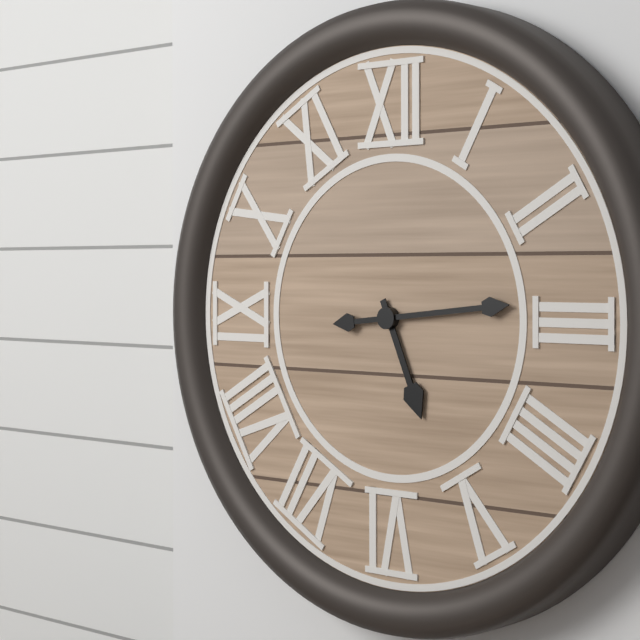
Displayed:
5.14
